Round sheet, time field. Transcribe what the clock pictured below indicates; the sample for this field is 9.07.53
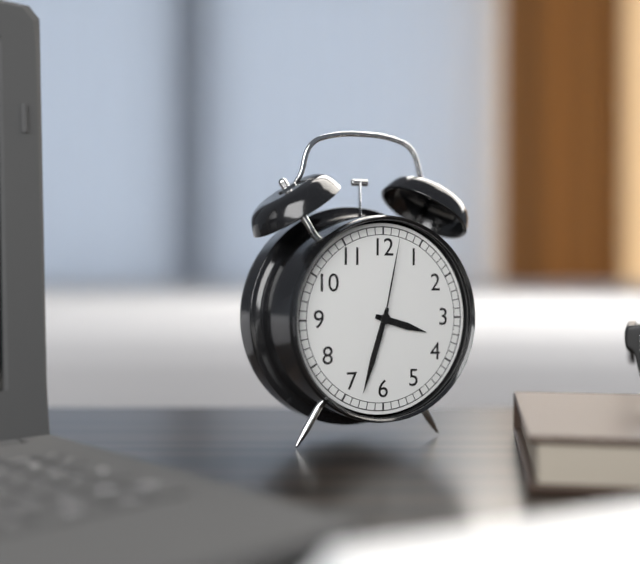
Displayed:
3.33.02
